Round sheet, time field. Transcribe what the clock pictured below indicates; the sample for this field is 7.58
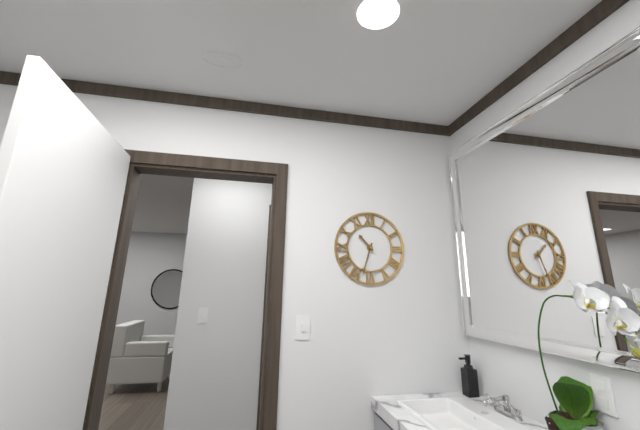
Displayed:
10.33
